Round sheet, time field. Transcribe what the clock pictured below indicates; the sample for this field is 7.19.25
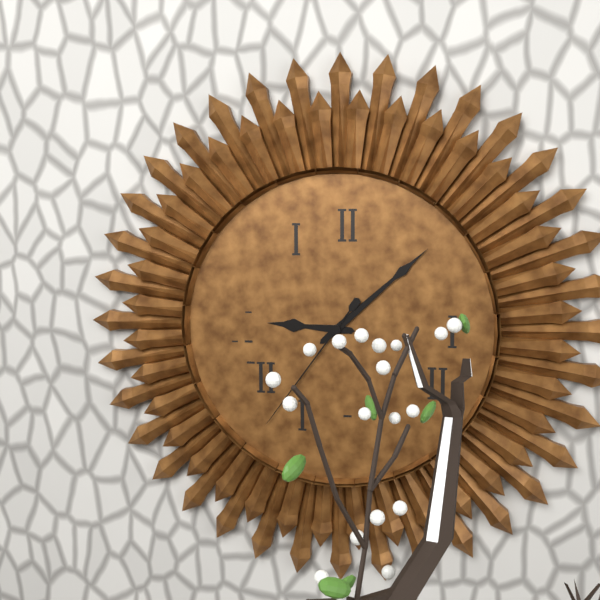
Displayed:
9.08.36
